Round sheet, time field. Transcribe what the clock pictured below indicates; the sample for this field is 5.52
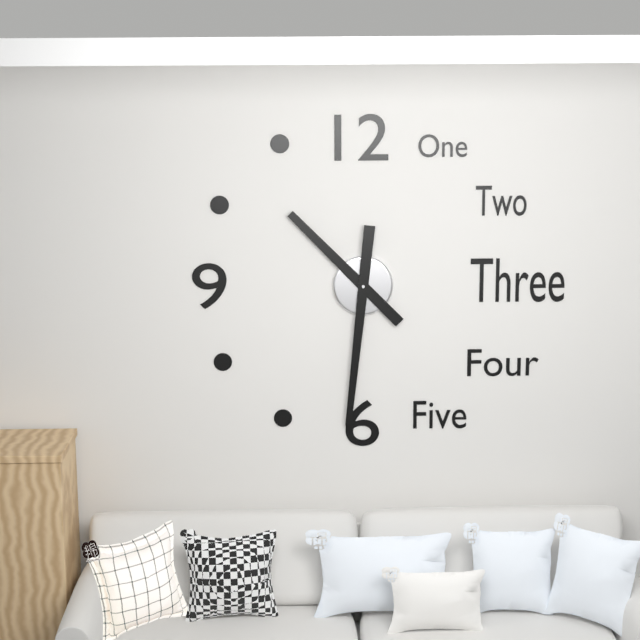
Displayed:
10.31
